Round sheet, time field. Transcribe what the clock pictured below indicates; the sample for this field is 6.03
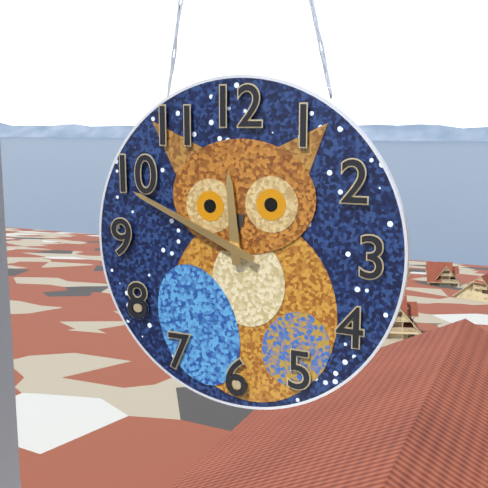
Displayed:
11.49
